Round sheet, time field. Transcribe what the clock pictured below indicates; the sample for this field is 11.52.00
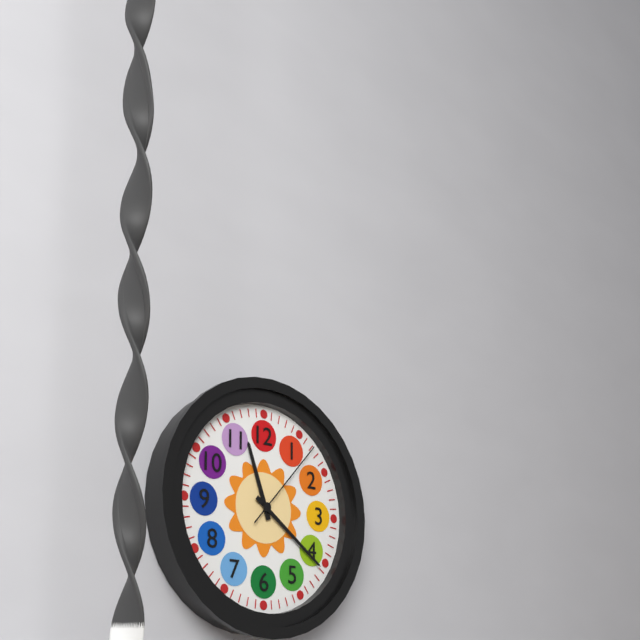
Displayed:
11.21.07
